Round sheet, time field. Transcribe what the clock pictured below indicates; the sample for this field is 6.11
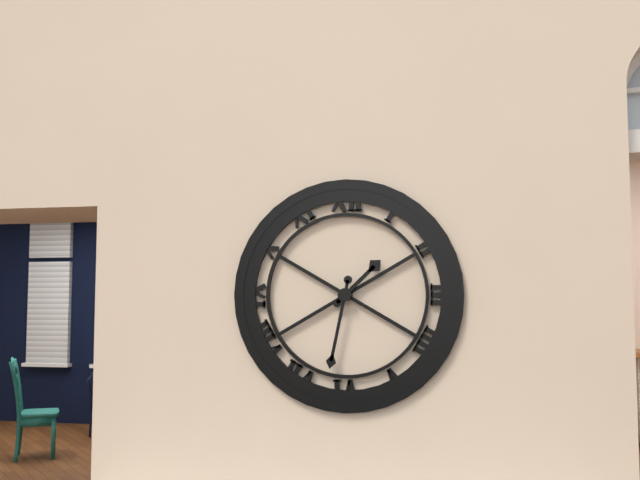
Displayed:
1.32
